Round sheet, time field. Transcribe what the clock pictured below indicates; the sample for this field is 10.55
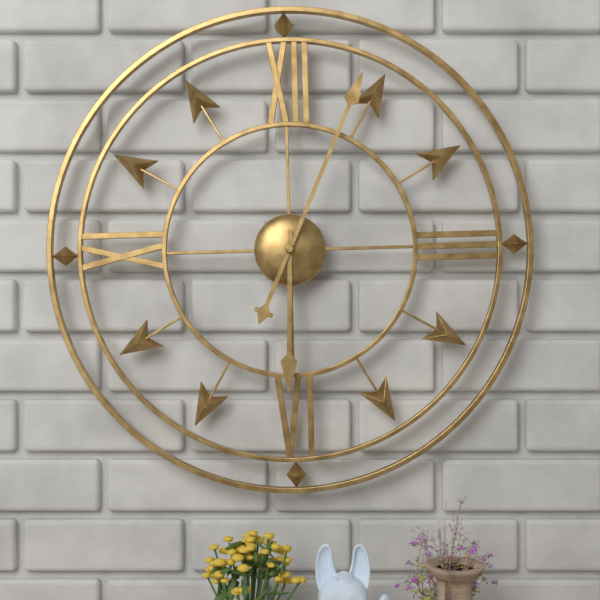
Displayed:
6.04
